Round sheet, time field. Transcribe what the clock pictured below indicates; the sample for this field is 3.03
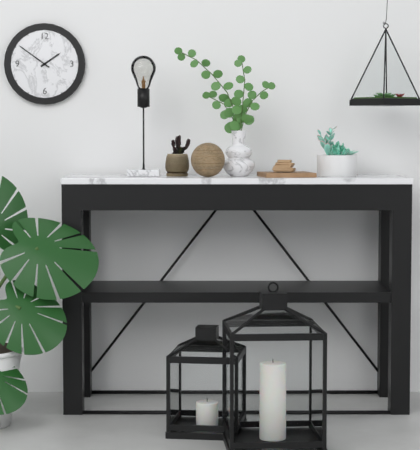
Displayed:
1.51
